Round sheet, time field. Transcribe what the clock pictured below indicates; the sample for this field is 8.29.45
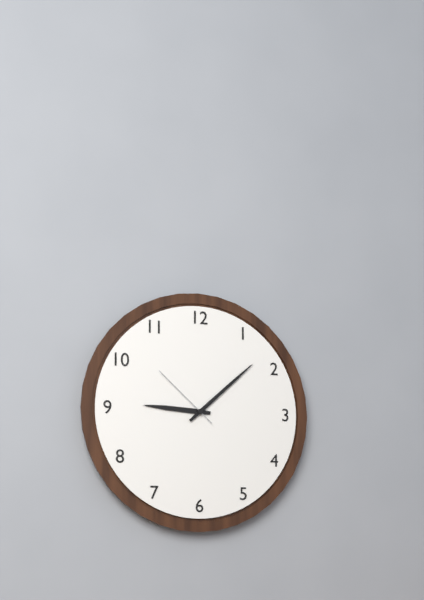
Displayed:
9.08.52
